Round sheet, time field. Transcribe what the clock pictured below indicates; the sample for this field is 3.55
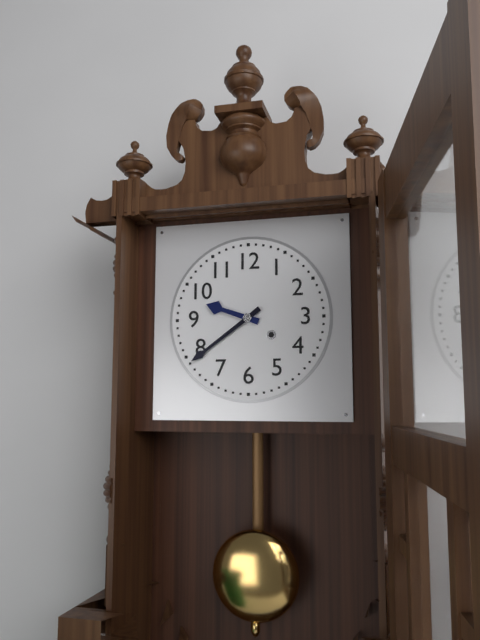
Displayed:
9.39
